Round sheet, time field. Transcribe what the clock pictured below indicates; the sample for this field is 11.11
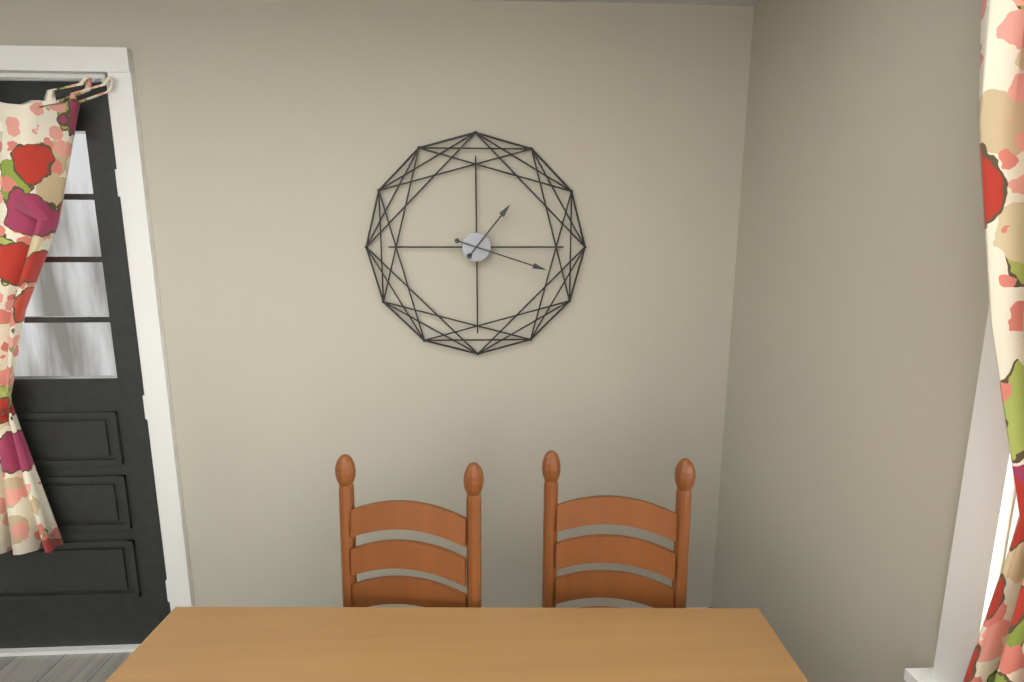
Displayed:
1.18
